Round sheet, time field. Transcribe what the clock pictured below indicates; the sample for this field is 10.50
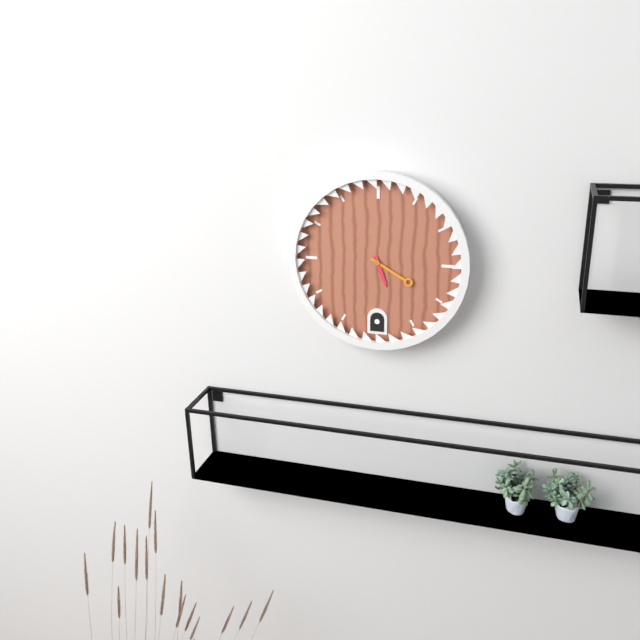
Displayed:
5.20
